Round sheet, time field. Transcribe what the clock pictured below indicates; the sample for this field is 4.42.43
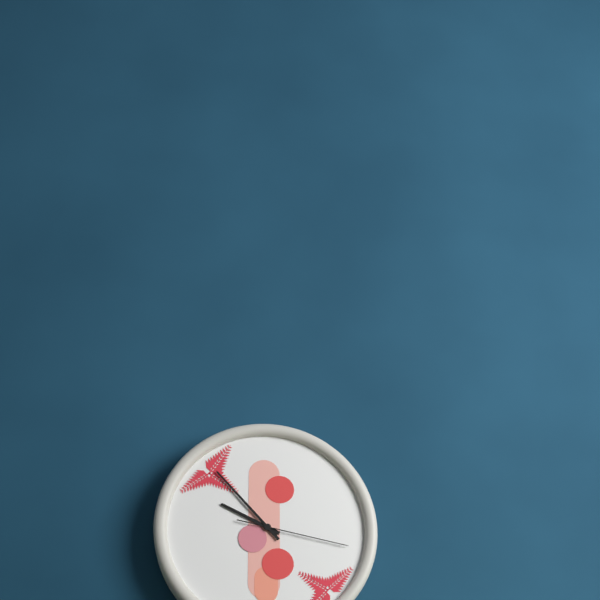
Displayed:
9.53.17
